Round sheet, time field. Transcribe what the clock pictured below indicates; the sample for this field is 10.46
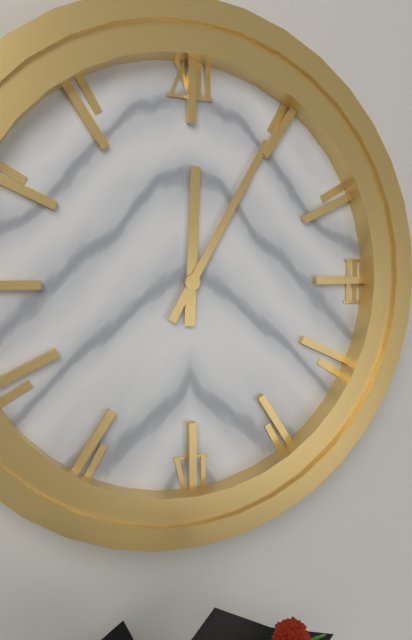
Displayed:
12.05
